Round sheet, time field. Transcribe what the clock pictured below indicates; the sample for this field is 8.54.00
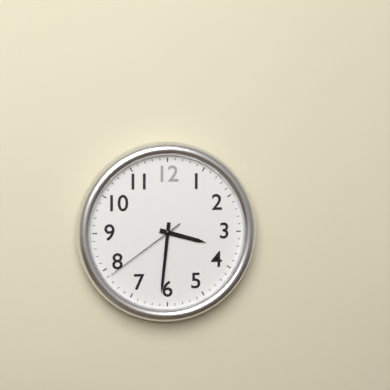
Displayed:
3.31.39
